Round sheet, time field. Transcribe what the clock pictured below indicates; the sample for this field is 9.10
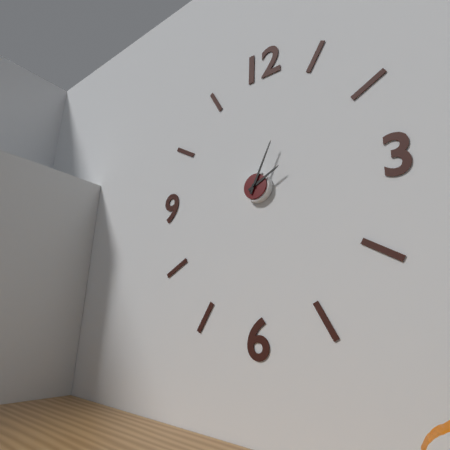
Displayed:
2.04
